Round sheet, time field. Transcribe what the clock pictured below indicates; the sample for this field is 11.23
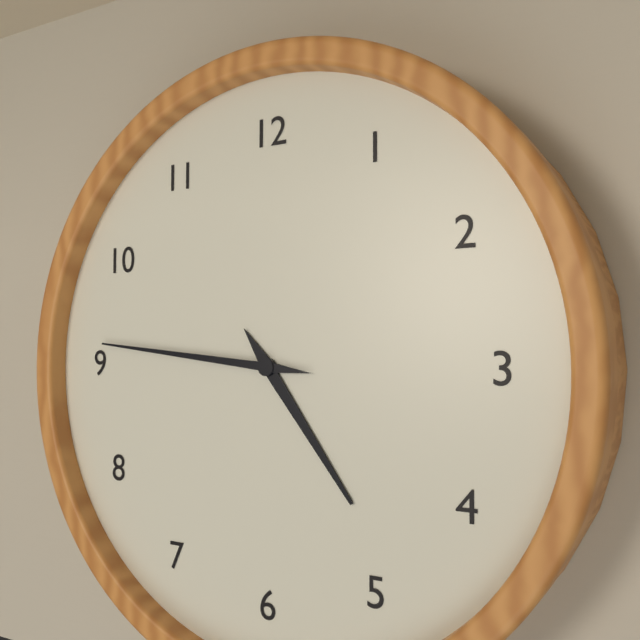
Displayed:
4.46
